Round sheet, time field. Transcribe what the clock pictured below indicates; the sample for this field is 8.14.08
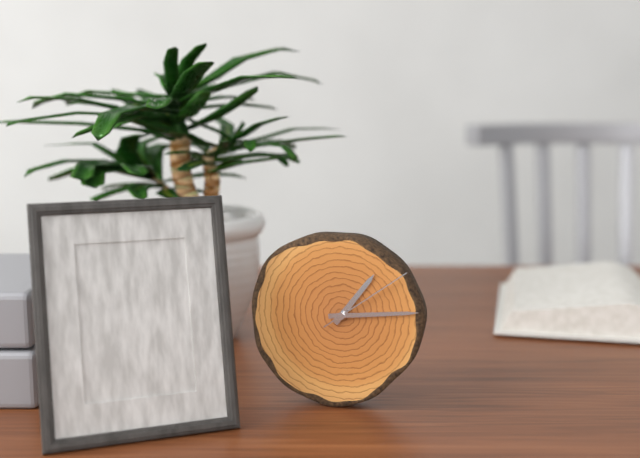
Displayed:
1.14.09
